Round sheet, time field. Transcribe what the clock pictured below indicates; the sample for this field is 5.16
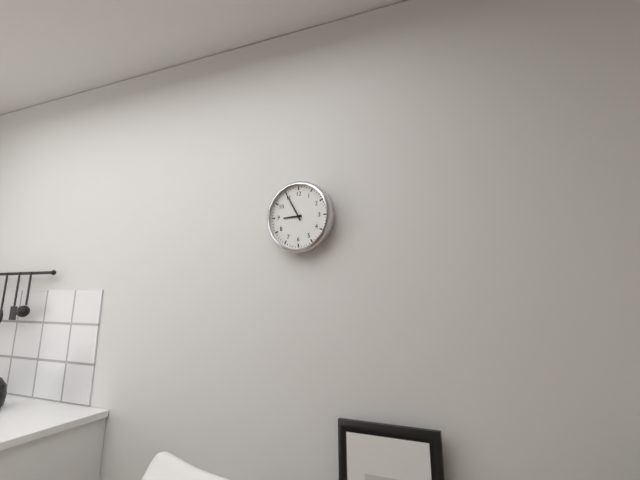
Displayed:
8.55
